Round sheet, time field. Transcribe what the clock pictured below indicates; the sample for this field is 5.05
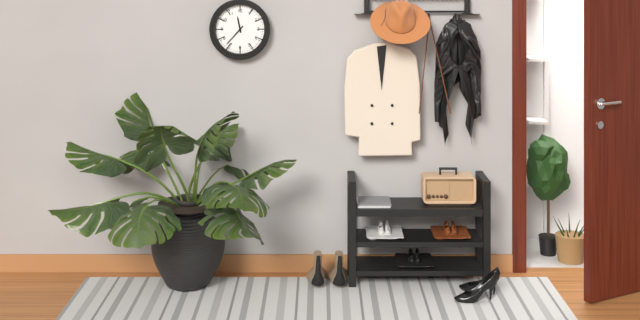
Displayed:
11.37
